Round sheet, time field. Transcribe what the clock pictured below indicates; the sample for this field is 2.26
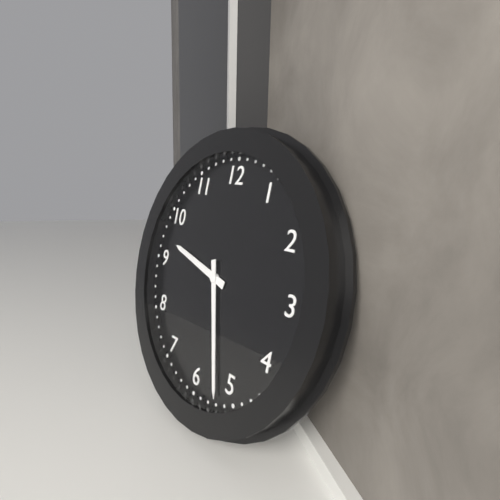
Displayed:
9.27
